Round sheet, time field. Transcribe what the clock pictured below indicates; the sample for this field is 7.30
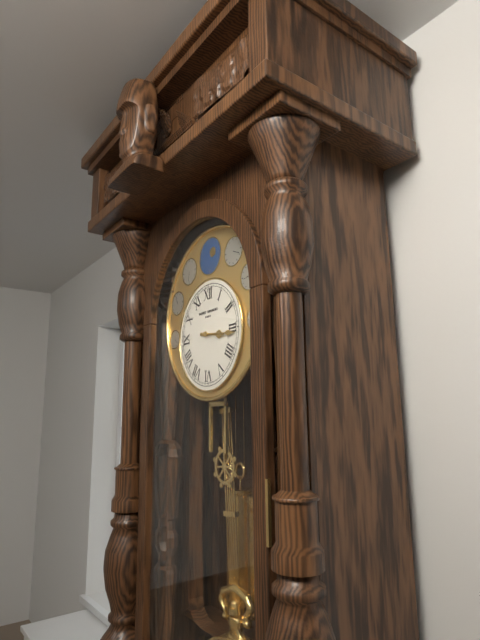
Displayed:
3.16
